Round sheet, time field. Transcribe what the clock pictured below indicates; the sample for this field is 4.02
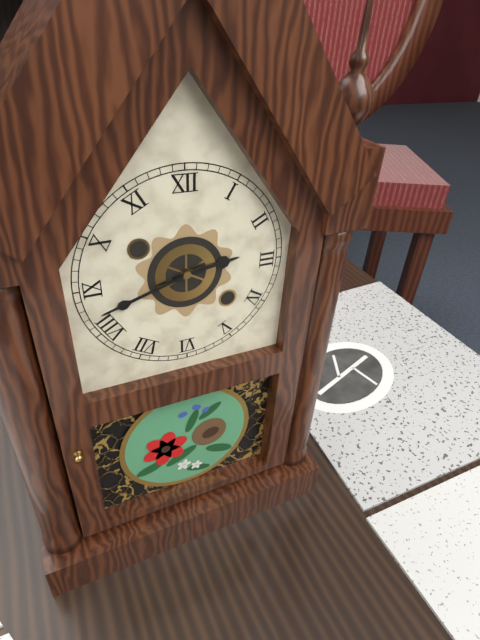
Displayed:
2.42
